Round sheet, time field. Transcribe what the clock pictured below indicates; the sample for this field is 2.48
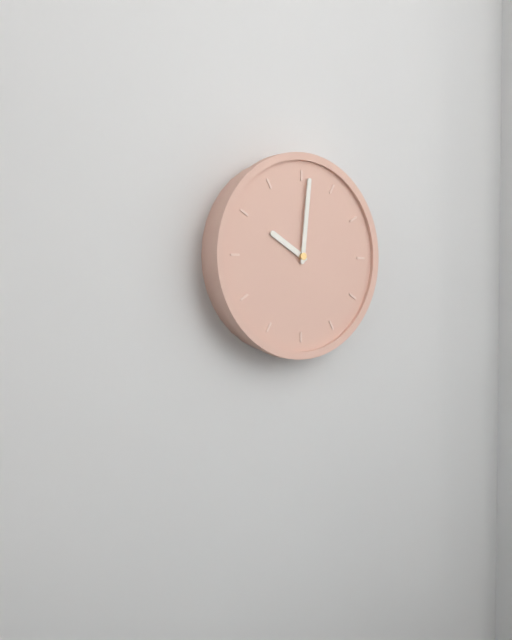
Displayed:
10.01
